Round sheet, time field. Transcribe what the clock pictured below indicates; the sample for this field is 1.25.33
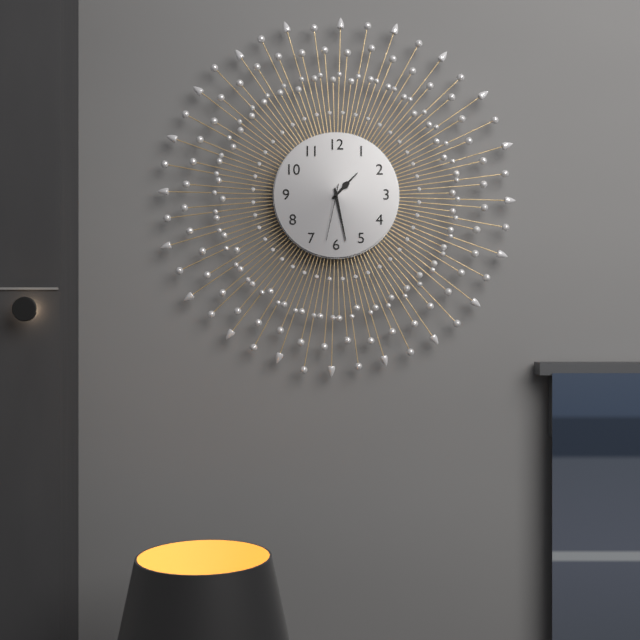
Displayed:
1.28.32
